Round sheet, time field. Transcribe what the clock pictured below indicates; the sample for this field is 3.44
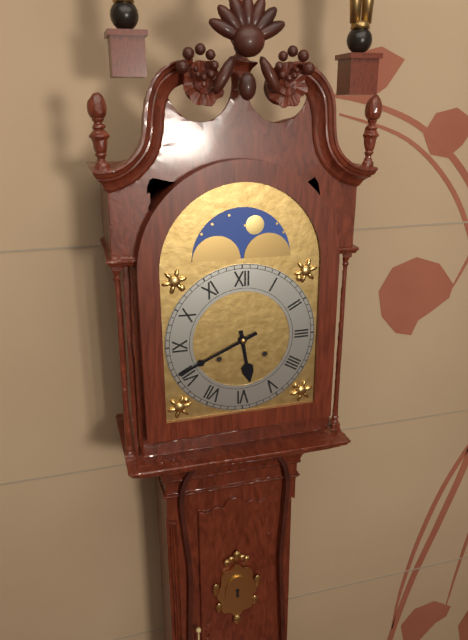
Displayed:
5.41
